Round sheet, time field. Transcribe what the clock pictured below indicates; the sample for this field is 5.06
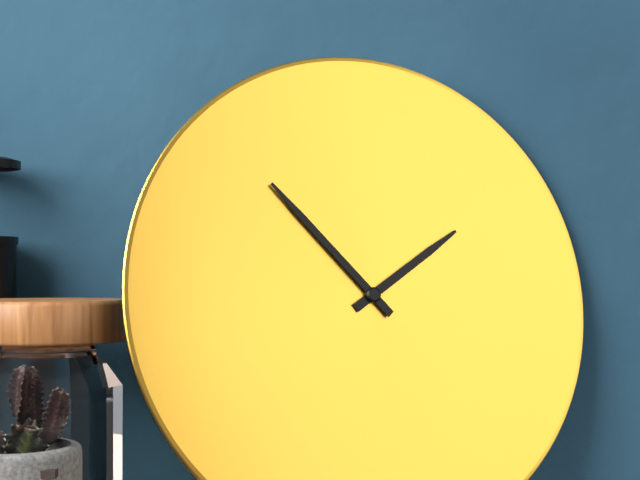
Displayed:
1.53
